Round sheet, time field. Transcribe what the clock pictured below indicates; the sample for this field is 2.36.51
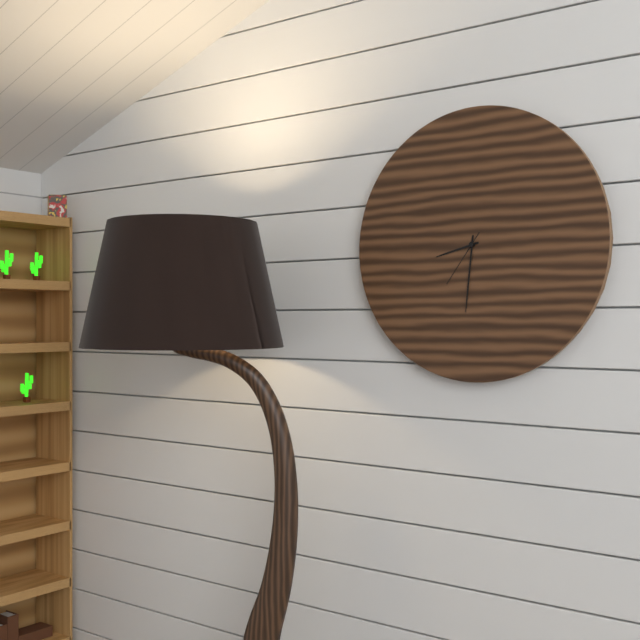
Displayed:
8.31.36
